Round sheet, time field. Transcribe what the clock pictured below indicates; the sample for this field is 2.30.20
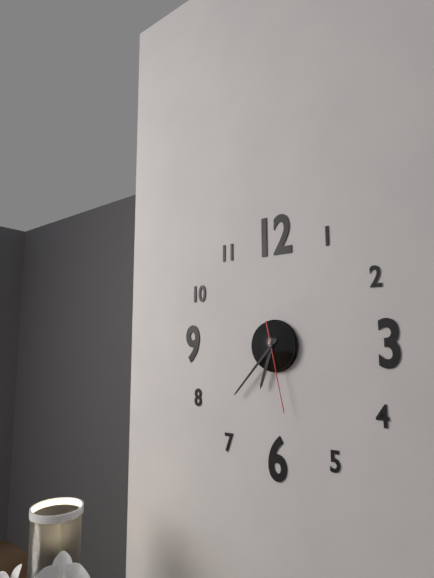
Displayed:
6.37.28
